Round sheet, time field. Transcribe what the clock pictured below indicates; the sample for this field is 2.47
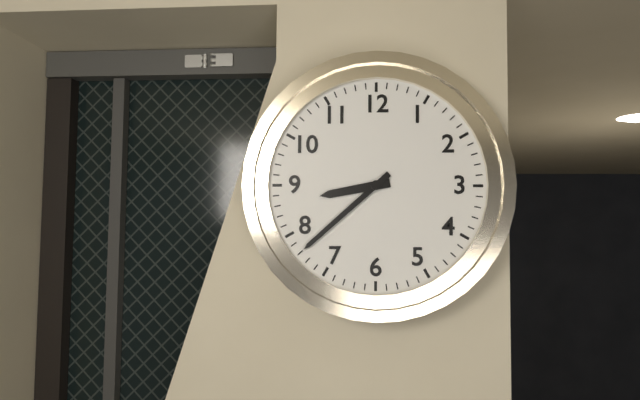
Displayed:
8.38
